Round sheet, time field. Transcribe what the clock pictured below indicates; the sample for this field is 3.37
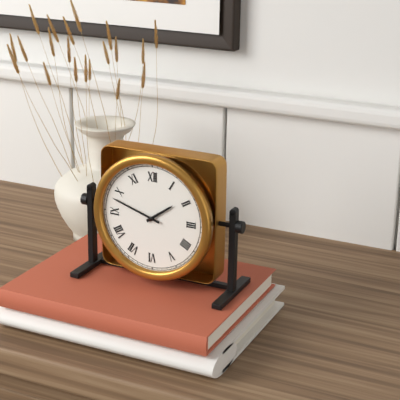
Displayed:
1.48
